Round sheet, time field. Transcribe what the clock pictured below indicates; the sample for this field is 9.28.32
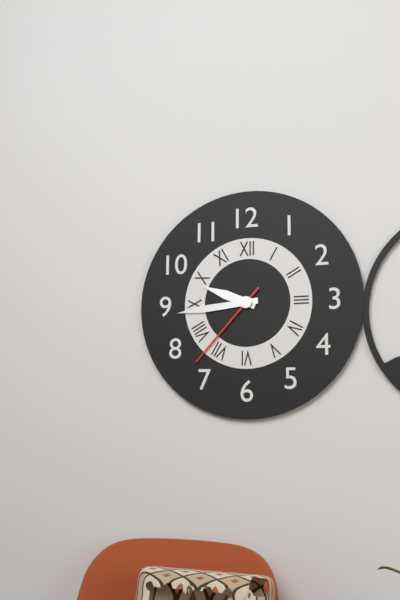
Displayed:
9.44.37
